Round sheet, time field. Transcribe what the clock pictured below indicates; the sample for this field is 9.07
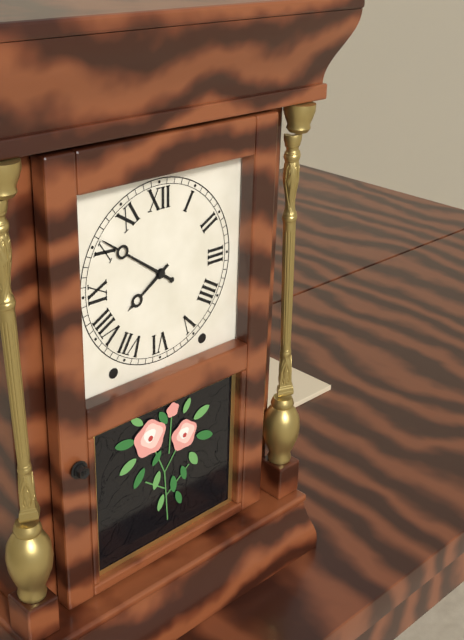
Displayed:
7.51
